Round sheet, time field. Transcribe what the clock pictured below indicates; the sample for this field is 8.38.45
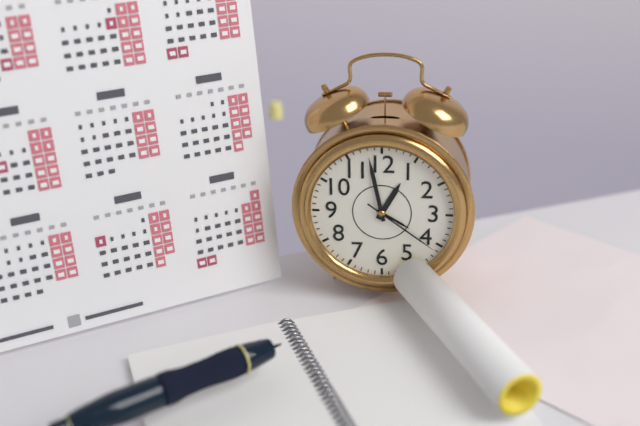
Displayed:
12.58.21
